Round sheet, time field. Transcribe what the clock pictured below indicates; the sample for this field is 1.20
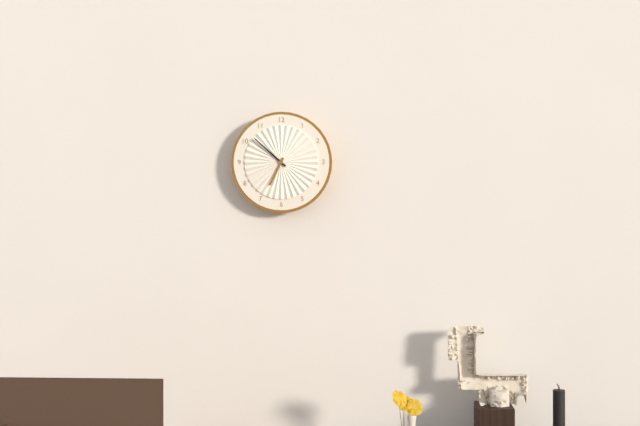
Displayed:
6.52
